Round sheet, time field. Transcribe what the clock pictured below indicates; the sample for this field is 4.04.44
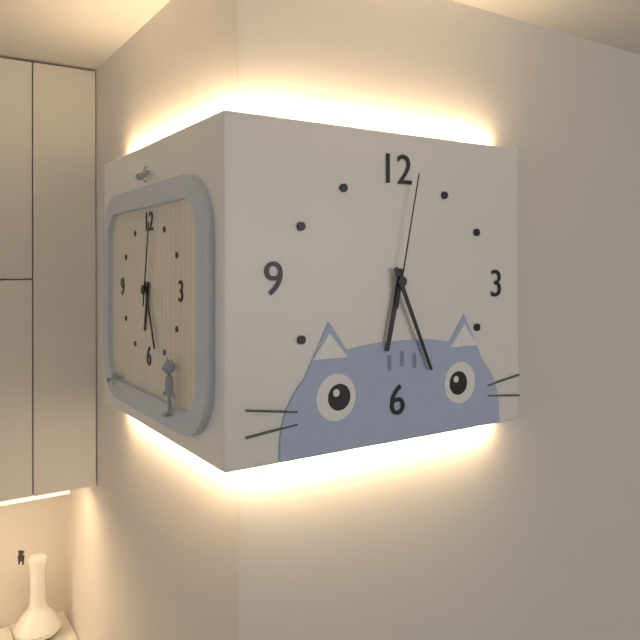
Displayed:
6.26.02
